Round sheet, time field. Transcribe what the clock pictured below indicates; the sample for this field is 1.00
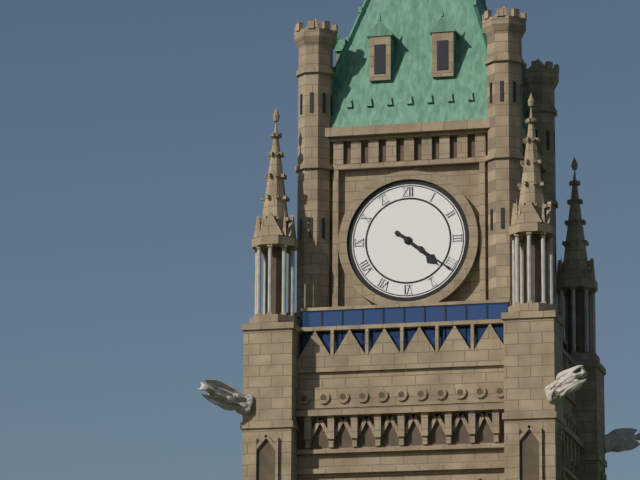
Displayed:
4.21
